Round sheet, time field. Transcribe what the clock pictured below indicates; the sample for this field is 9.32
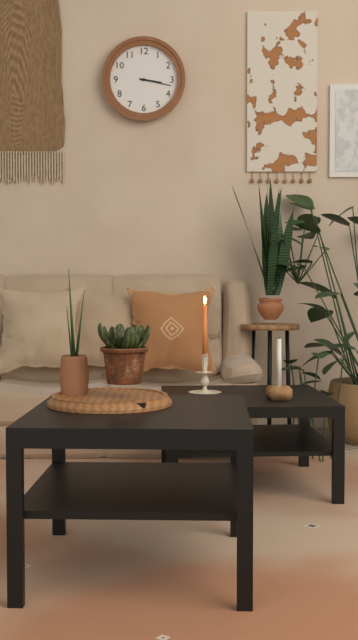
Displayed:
3.17
